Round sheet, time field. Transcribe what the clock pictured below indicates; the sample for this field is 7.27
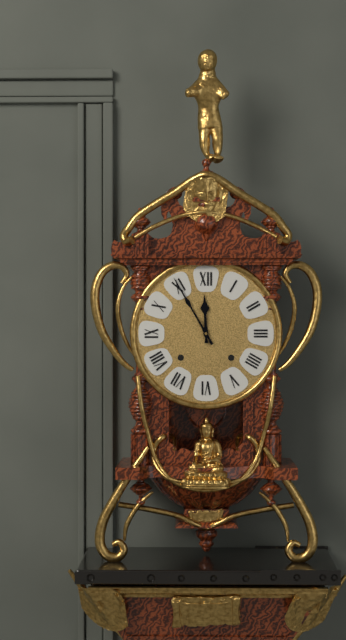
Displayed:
11.55
